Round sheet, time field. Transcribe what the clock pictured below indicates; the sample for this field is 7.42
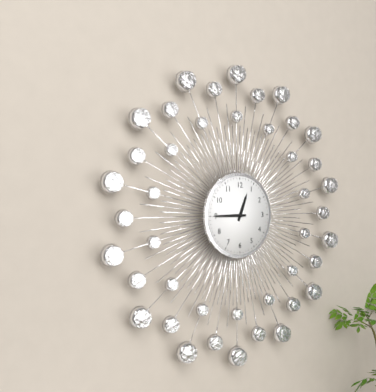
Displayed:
12.45
